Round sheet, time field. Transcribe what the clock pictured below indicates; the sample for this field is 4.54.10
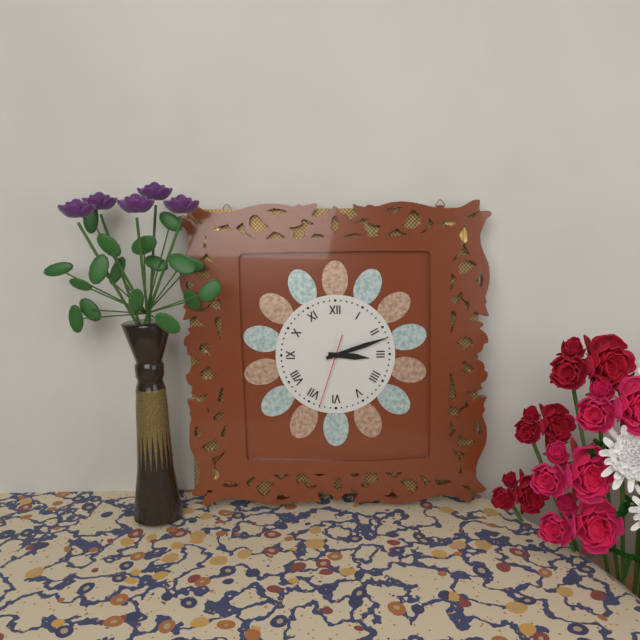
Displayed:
3.12.33
